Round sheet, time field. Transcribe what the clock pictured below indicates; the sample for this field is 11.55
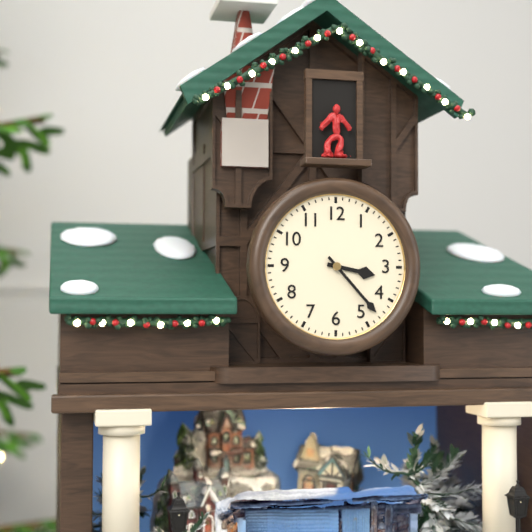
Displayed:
3.23
